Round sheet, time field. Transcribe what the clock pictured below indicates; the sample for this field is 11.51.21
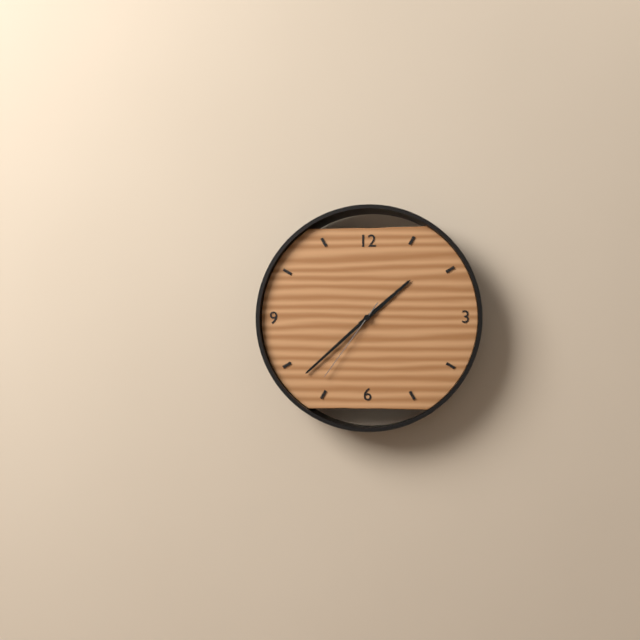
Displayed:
1.38.36
